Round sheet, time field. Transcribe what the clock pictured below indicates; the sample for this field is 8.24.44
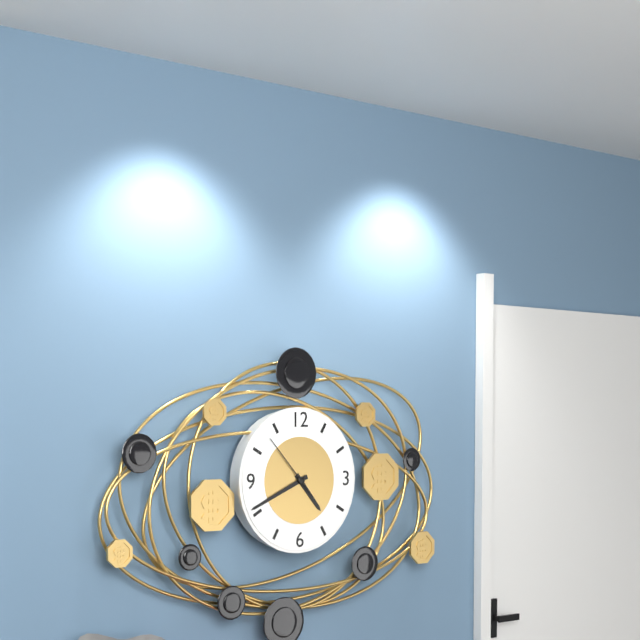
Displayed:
4.41.53
